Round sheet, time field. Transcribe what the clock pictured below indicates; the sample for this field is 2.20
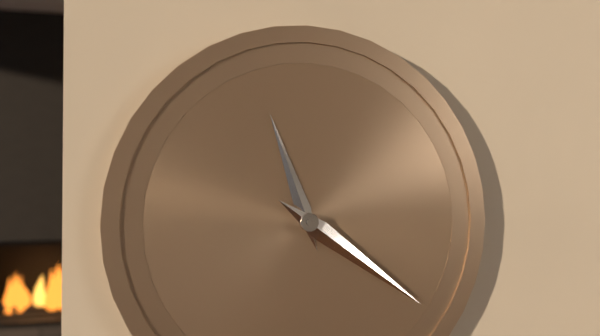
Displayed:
11.21
